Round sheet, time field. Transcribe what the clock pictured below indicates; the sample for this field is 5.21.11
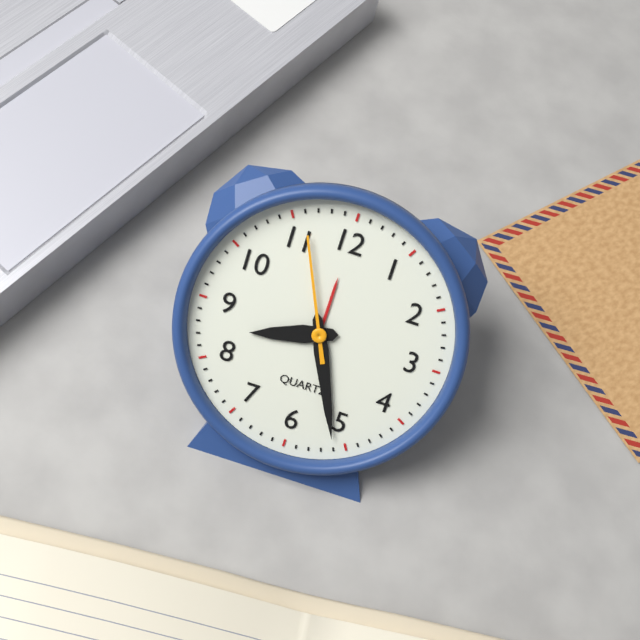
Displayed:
8.26.56
